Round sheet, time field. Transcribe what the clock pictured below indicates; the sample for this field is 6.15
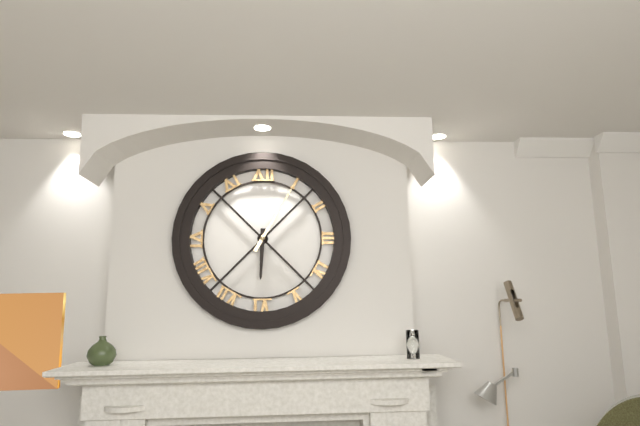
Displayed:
6.05
